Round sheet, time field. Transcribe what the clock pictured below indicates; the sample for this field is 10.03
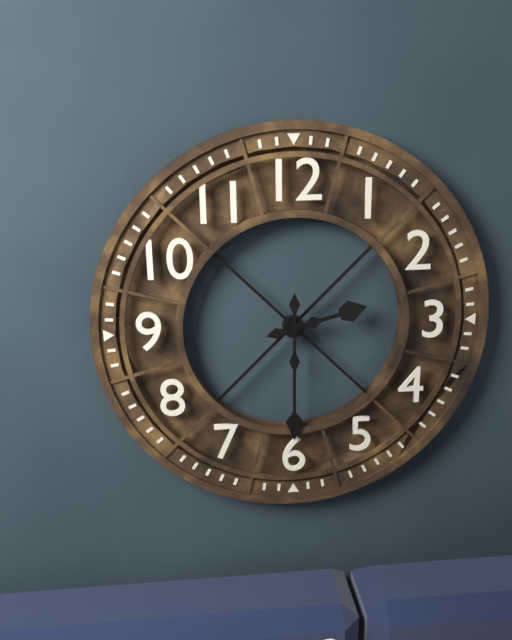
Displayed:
2.30
